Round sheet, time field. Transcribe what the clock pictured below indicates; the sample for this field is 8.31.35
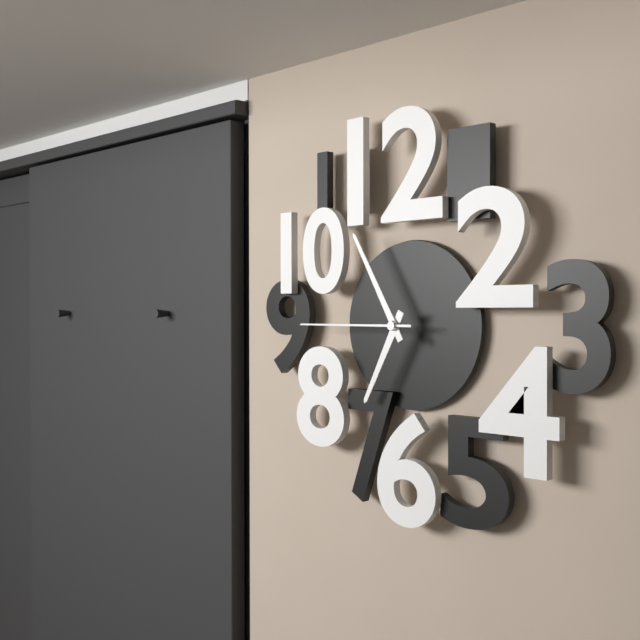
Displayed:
6.55.45
